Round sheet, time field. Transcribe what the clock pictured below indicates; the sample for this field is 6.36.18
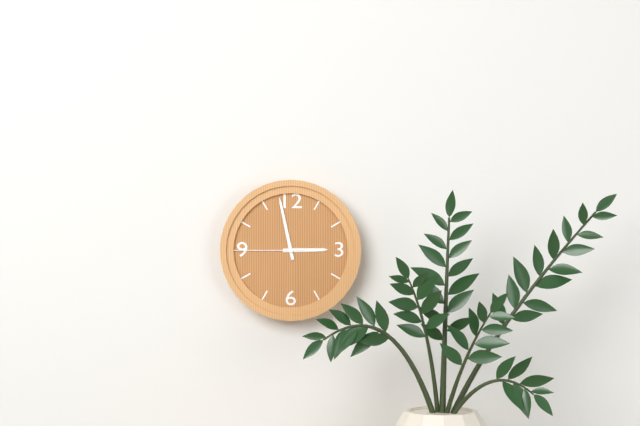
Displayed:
2.58.45
